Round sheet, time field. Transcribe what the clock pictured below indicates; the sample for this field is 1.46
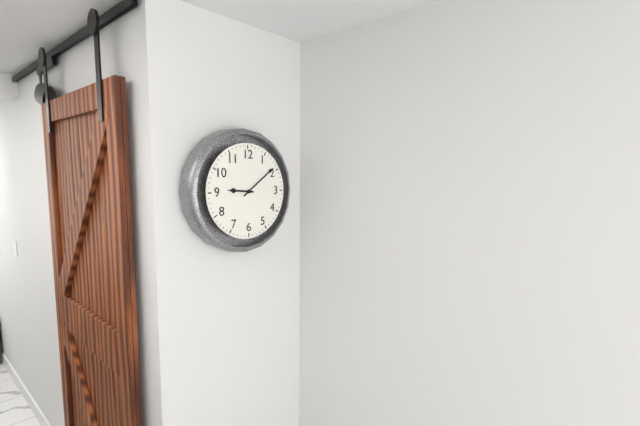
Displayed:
9.09
